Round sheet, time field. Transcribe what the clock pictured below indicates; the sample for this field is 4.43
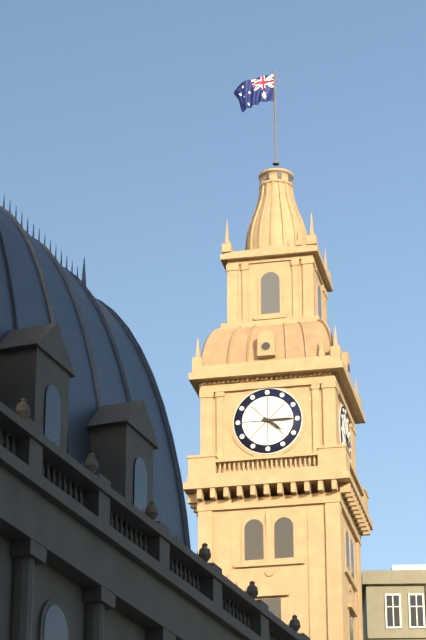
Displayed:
4.15
